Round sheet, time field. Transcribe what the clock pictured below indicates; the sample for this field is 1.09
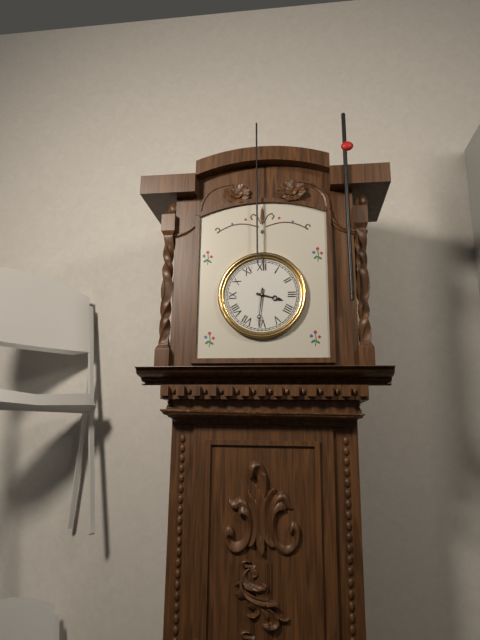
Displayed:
3.31
